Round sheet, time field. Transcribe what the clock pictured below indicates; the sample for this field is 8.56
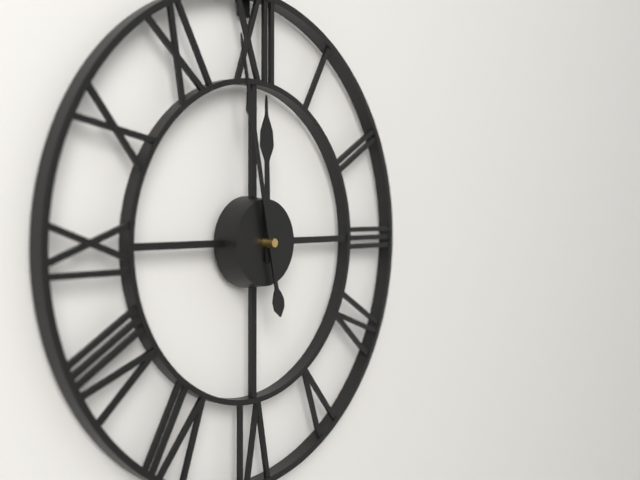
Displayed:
11.58
